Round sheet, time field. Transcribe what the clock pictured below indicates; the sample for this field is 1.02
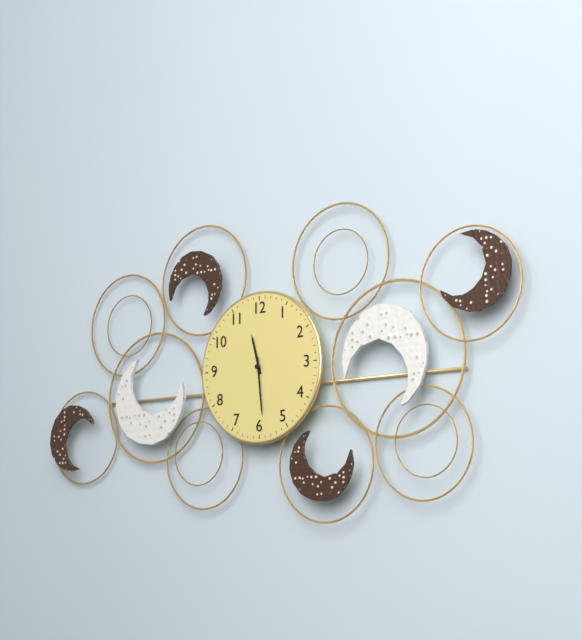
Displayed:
11.29
